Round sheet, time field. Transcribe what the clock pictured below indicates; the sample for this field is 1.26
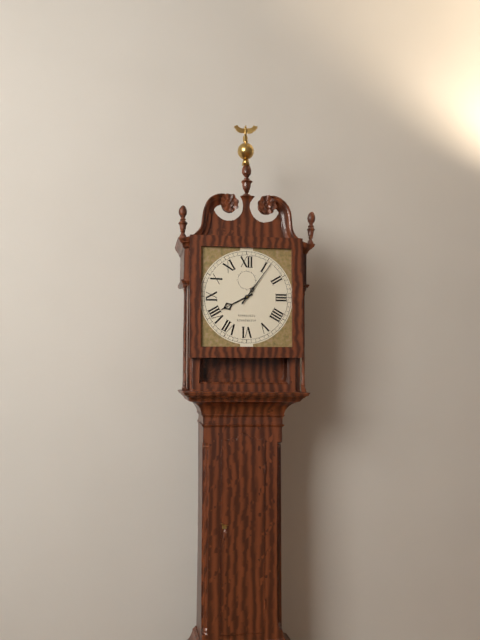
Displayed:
8.06
